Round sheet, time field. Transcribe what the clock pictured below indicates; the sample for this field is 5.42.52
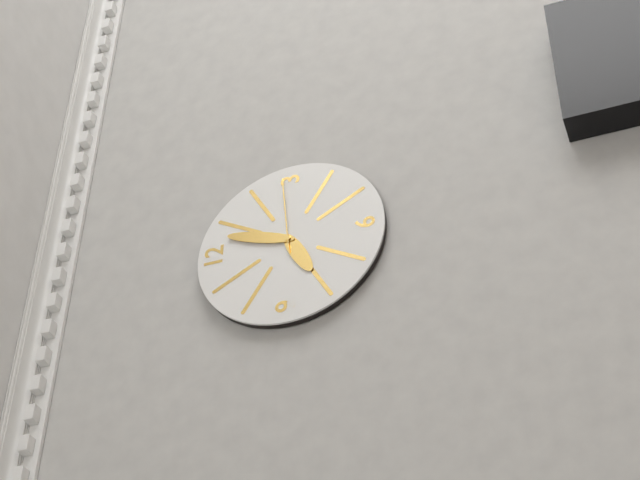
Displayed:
8.03.14
